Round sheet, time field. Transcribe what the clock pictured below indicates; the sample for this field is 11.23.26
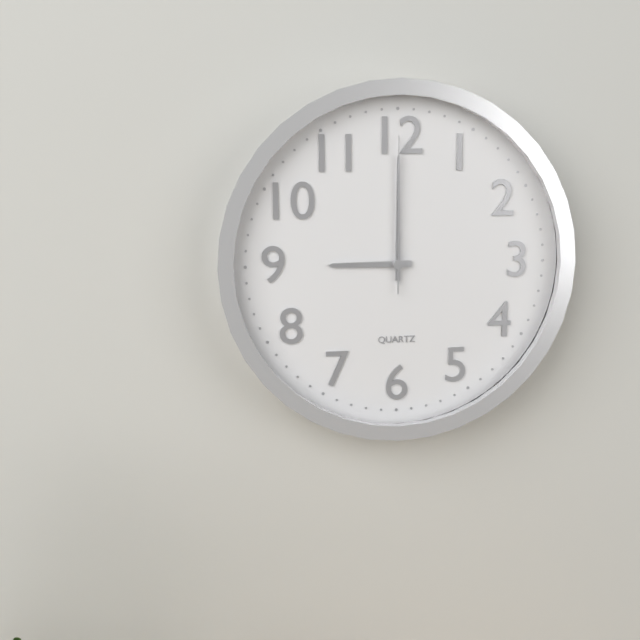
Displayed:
9.00.00
